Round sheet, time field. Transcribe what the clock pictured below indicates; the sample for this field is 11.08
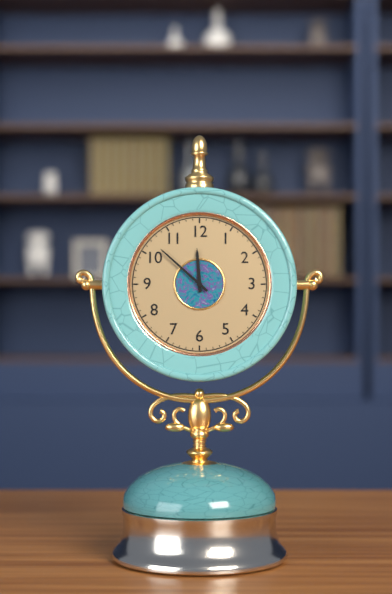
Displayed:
11.52
